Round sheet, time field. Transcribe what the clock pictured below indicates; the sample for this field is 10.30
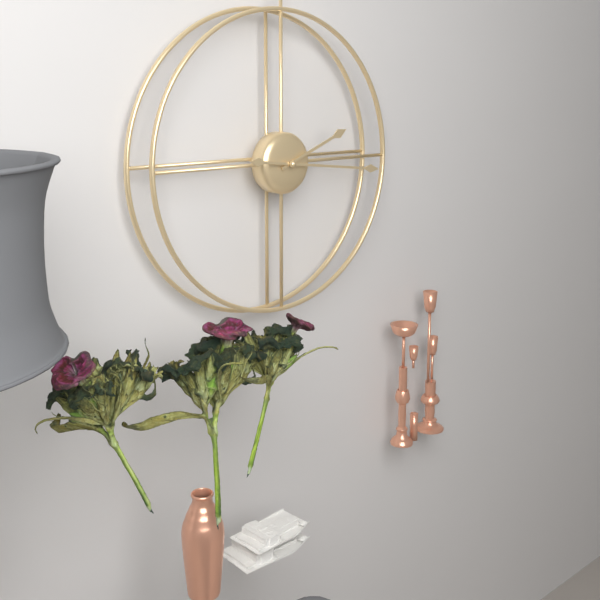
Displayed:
2.16
